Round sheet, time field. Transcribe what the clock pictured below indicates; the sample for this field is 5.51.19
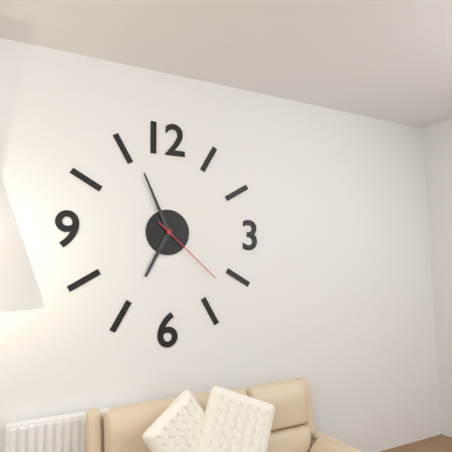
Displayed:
6.56.22
